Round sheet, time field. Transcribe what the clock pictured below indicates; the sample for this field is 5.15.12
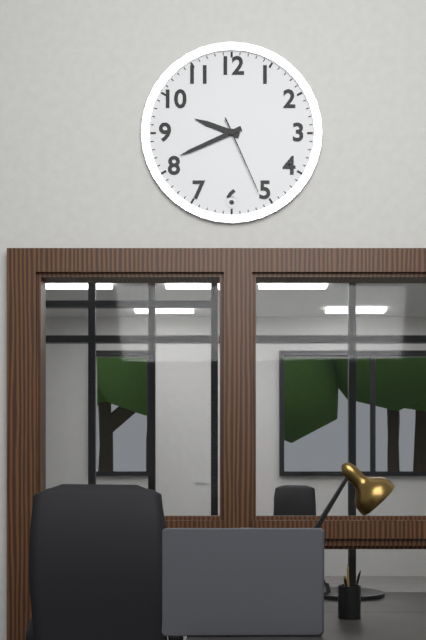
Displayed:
9.41.26
